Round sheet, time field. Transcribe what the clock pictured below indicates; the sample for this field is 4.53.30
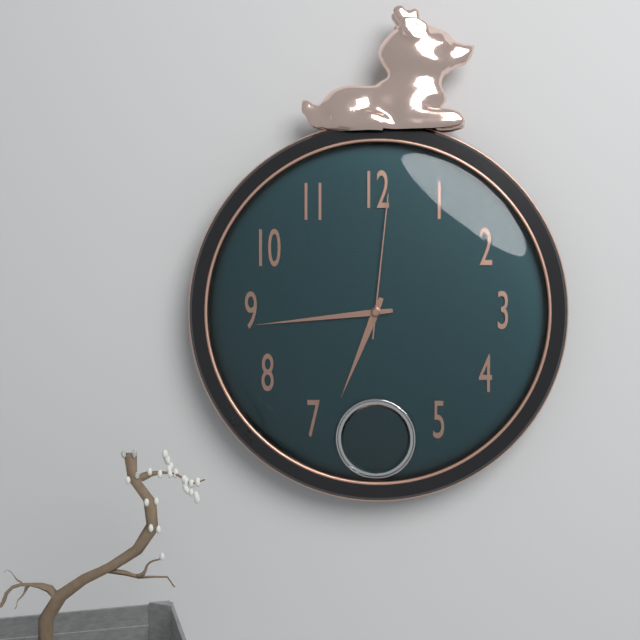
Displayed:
6.44.01
